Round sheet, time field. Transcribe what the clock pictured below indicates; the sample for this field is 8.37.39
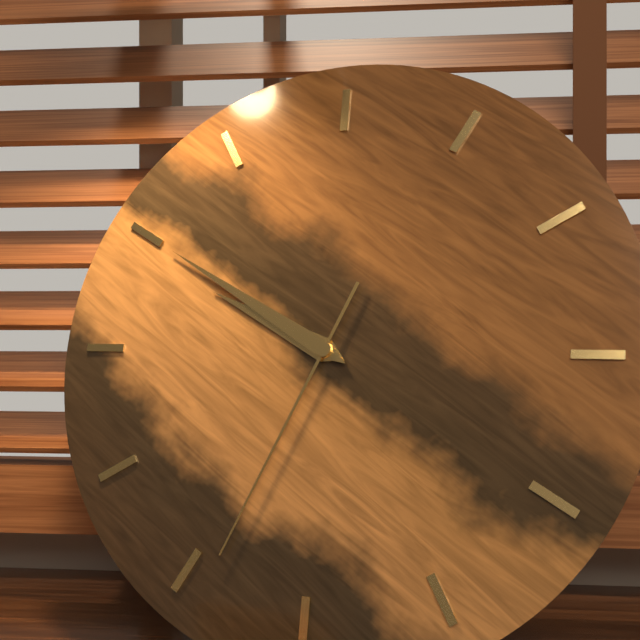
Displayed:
9.50.34
